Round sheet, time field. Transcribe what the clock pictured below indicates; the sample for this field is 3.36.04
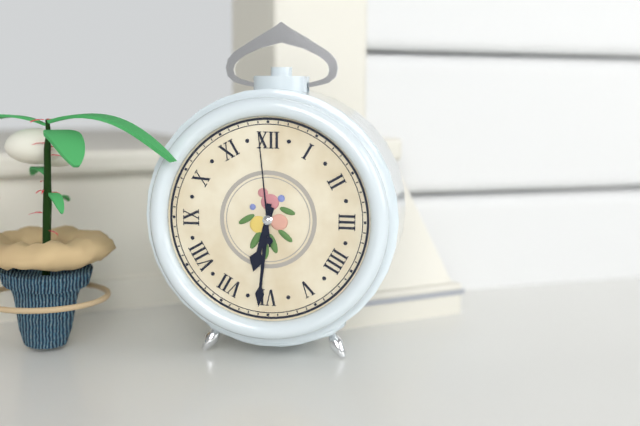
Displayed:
6.31.59
